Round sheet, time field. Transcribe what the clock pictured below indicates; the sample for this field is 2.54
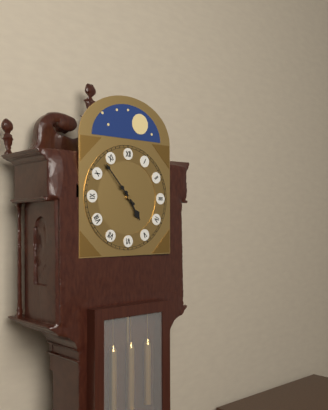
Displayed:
4.53
